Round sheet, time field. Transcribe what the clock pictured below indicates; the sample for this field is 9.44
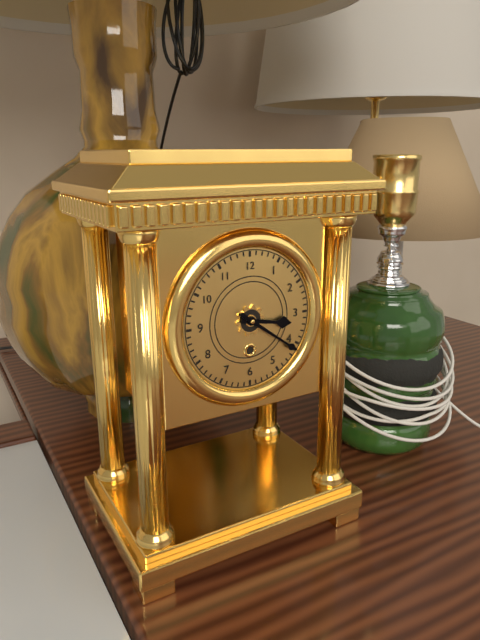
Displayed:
3.21
